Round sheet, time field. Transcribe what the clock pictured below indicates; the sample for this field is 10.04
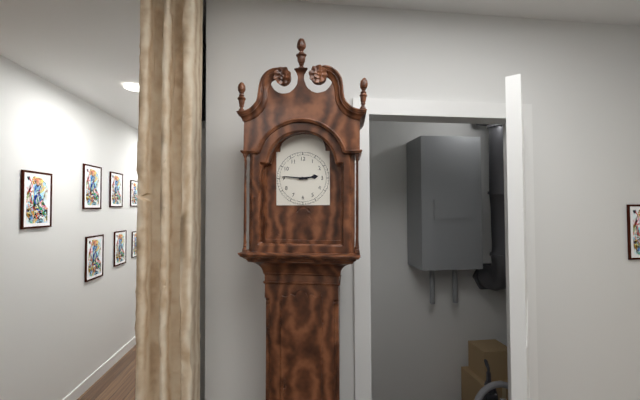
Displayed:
2.46
